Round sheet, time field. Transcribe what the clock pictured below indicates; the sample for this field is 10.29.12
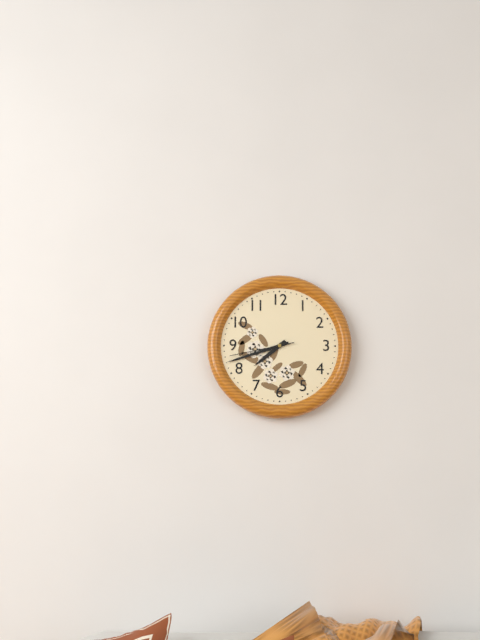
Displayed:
7.42.43
